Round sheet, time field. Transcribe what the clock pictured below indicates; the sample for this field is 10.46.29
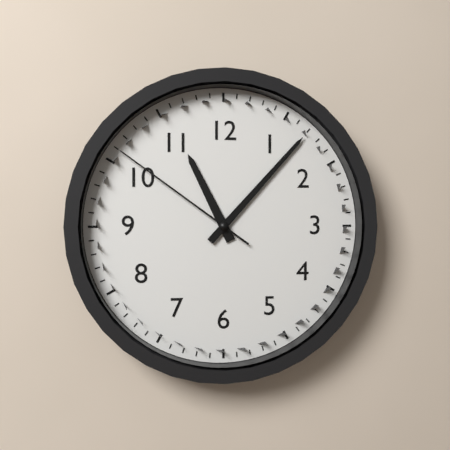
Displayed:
11.07.51
